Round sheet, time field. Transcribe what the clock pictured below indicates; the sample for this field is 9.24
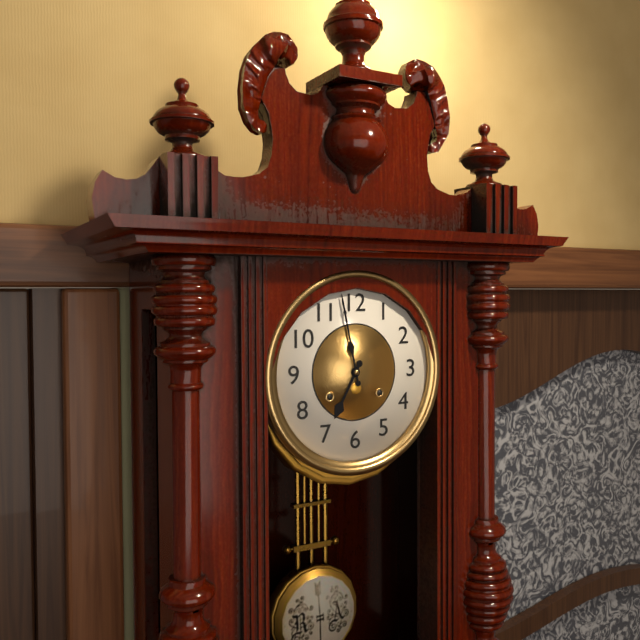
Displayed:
6.58
